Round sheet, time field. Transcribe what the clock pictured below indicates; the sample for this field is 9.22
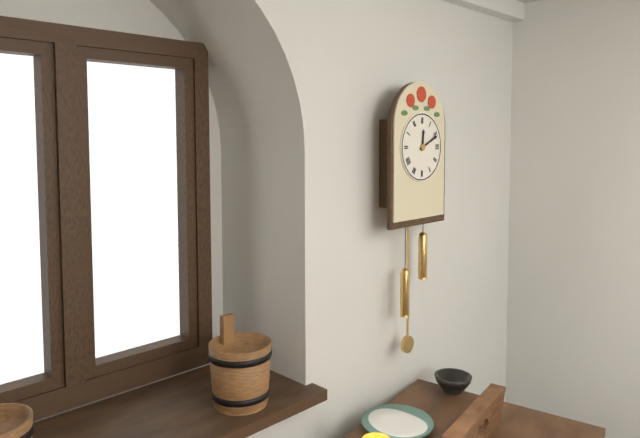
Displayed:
12.11
